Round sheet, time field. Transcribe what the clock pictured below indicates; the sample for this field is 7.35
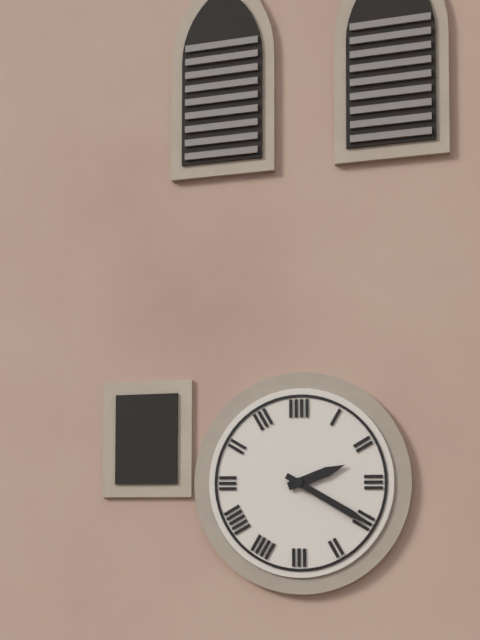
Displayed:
2.20
